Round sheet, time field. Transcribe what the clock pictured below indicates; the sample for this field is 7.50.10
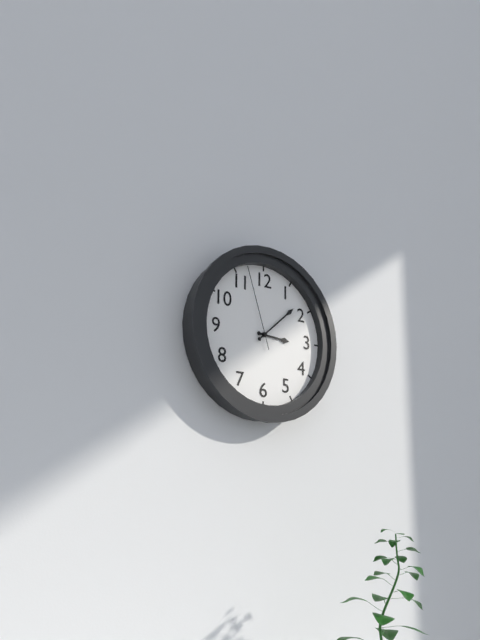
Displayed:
3.08.57
